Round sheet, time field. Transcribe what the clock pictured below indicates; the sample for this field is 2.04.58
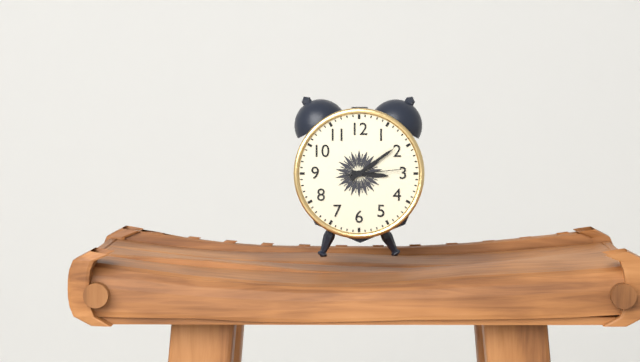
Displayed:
3.09.14
